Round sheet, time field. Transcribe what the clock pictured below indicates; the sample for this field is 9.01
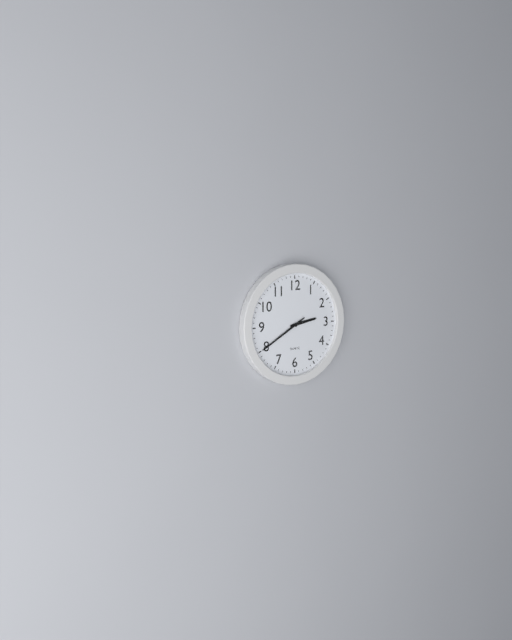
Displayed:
2.40
